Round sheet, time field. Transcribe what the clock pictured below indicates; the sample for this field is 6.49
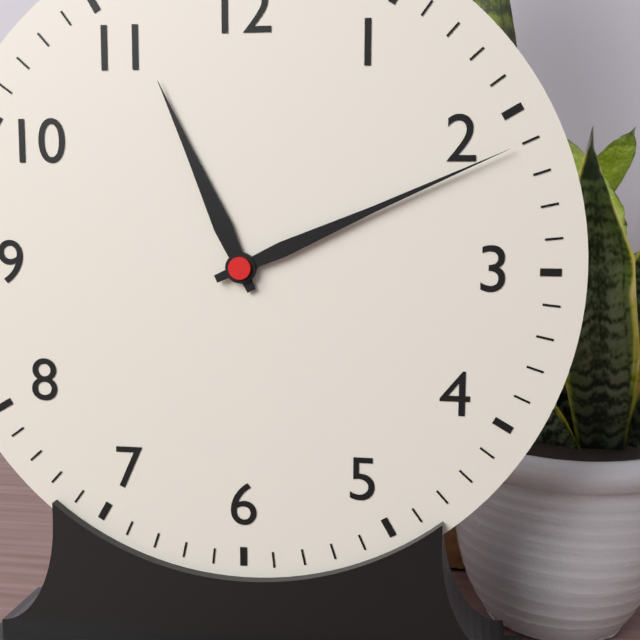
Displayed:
11.11
